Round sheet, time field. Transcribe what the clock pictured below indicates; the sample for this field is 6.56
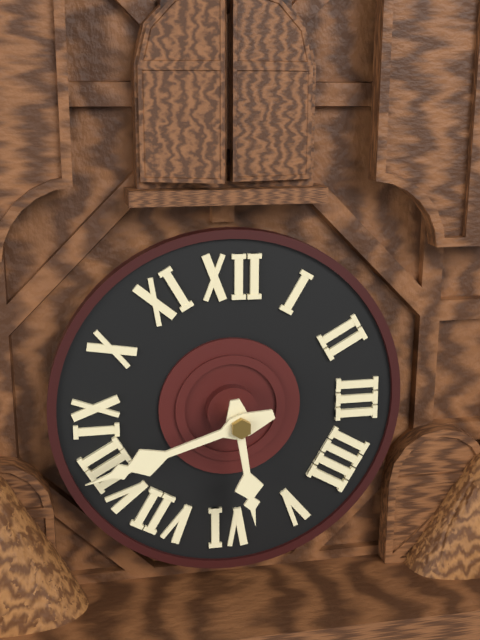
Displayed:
5.42
